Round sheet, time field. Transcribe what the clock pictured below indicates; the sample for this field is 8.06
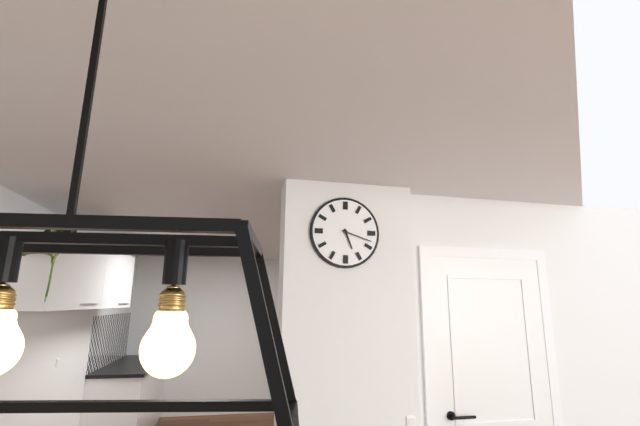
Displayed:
5.18
